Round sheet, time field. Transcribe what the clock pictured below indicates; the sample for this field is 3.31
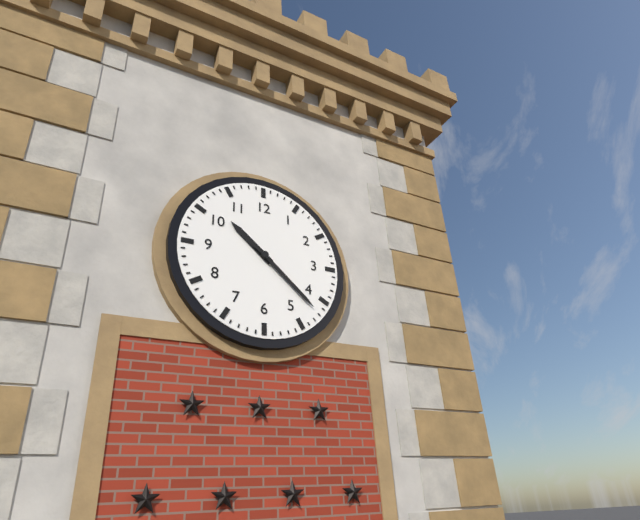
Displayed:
10.22
